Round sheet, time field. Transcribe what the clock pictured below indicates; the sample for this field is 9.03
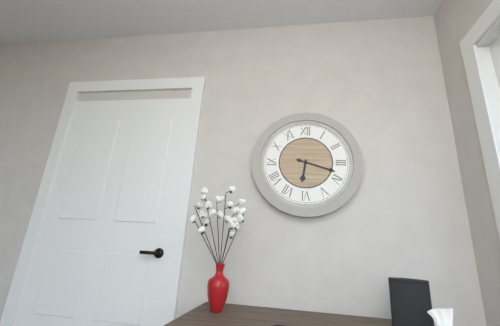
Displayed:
6.18
